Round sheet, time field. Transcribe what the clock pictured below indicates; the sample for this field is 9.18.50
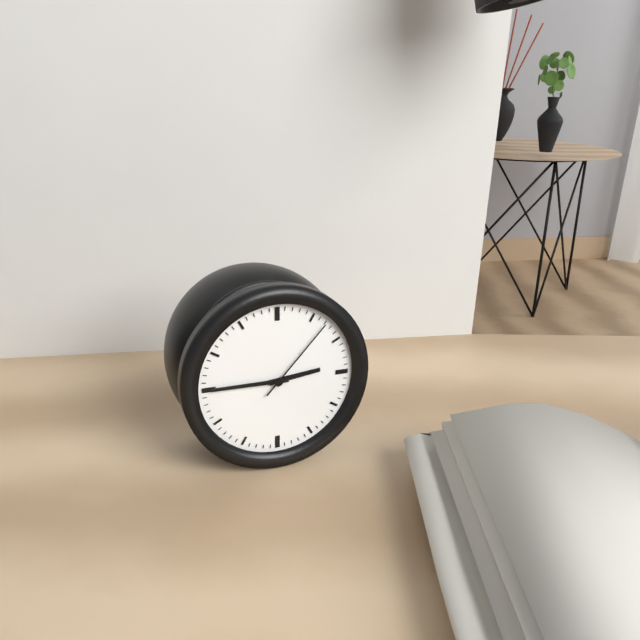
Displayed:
2.45.07
